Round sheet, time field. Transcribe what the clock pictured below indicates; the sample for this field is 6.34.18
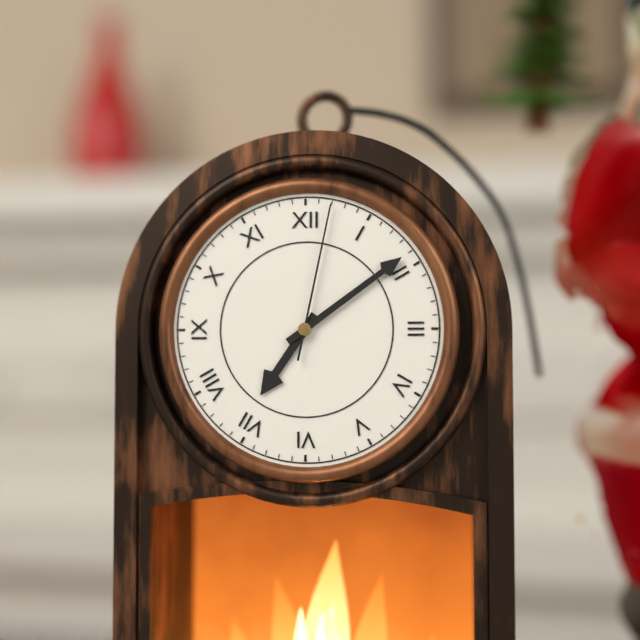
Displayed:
7.09.02
